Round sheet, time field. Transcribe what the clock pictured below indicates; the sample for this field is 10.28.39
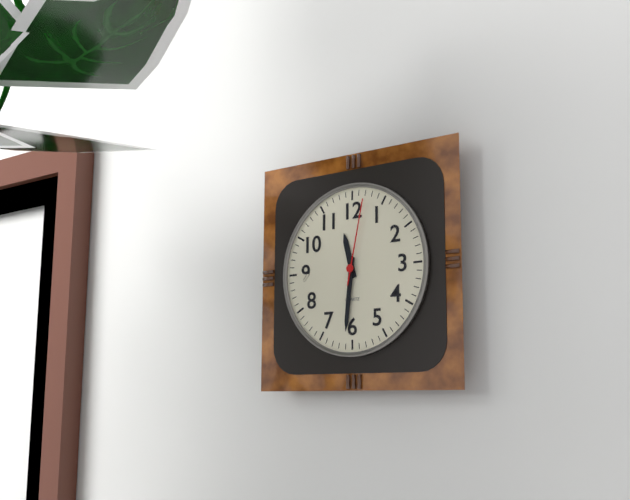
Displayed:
11.31.02
